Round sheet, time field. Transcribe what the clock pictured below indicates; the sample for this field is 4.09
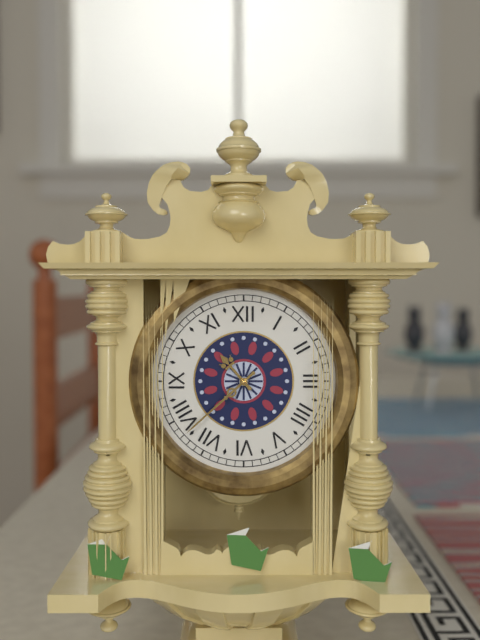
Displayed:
10.38
